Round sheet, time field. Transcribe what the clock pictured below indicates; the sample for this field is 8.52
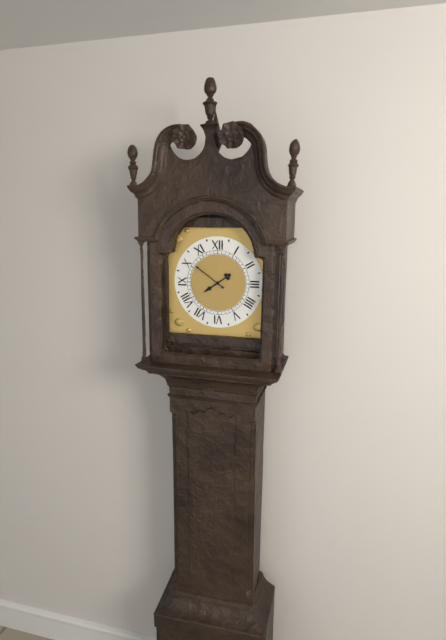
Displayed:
7.51
